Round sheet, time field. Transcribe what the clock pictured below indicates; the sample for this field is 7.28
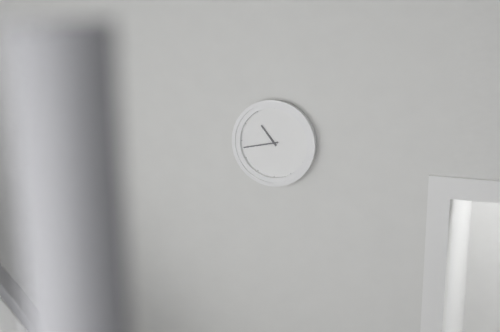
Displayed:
10.43
